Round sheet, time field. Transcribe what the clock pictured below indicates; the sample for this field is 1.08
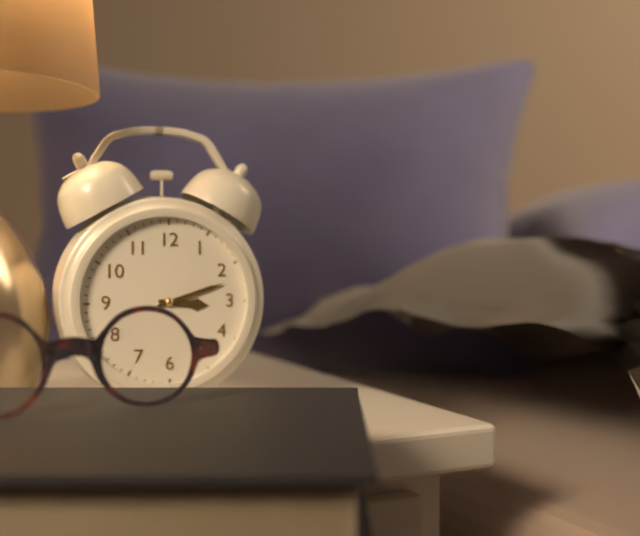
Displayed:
3.12
